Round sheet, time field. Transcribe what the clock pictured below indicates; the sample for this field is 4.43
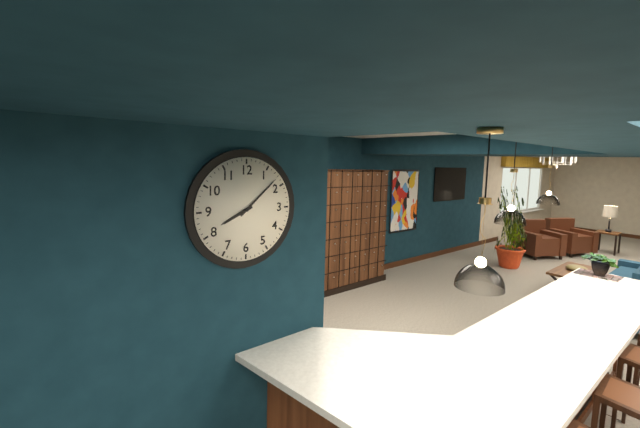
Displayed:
8.08
